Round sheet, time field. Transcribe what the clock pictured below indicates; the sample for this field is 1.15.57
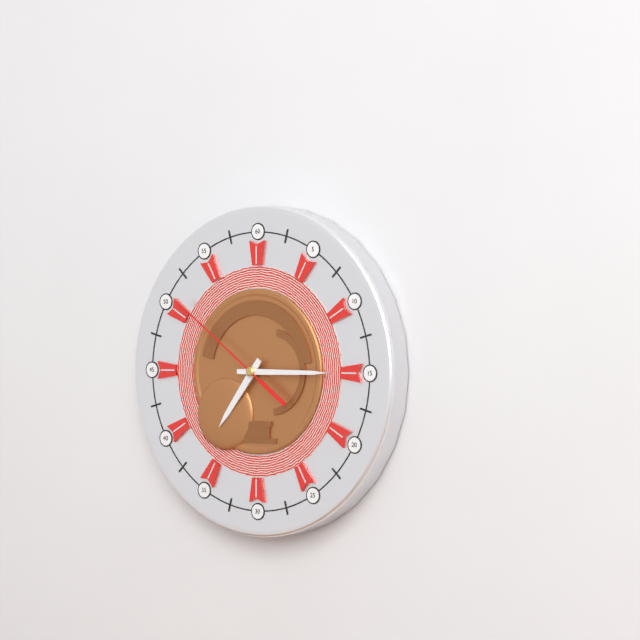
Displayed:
7.15.51
